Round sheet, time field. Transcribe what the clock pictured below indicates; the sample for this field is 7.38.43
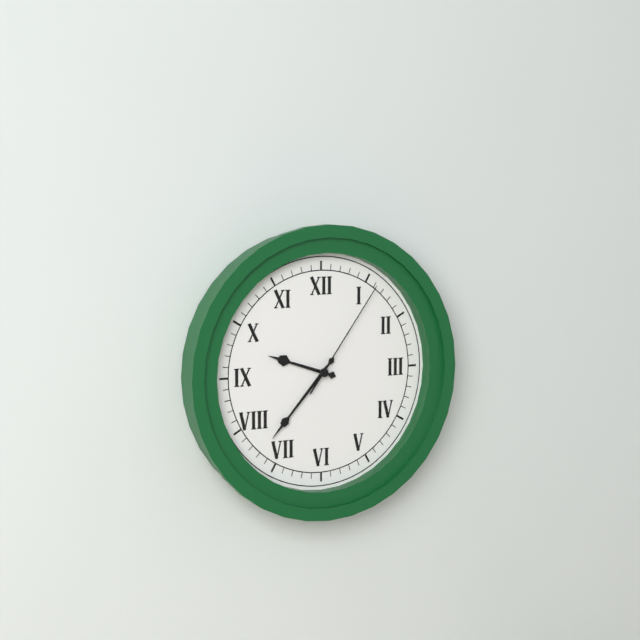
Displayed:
9.37.06
